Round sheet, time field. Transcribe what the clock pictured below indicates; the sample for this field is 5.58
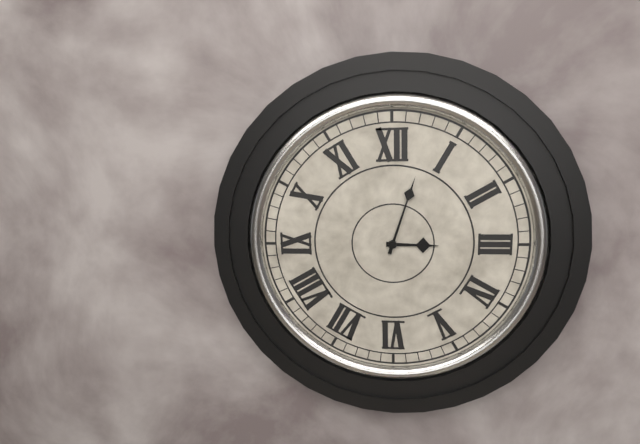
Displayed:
3.03
